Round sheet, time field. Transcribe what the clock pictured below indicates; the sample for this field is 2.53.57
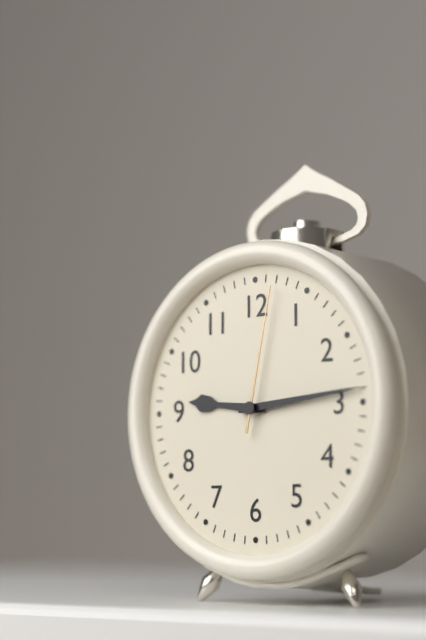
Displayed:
9.14.02
